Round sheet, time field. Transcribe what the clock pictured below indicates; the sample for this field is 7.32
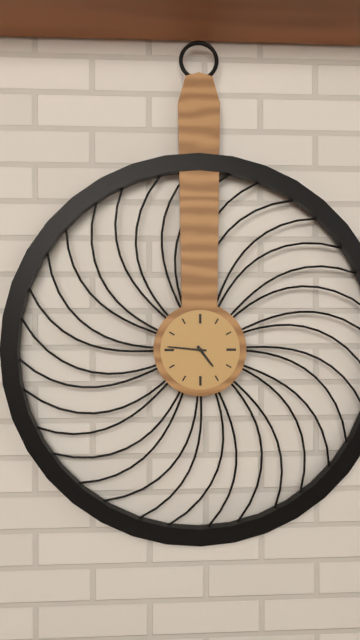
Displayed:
4.46
